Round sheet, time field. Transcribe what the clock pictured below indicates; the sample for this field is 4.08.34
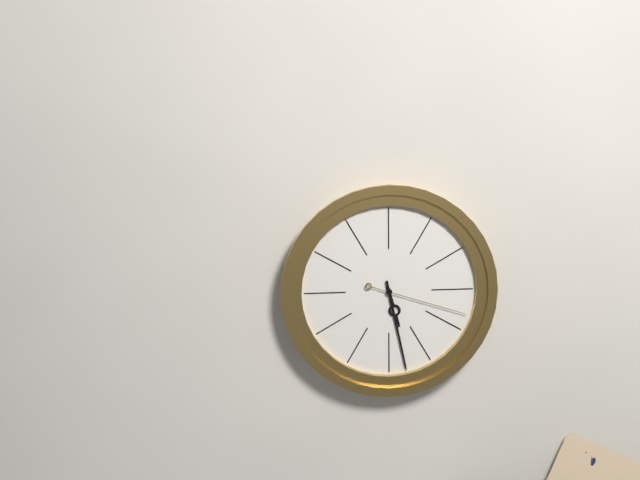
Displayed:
5.28.18
